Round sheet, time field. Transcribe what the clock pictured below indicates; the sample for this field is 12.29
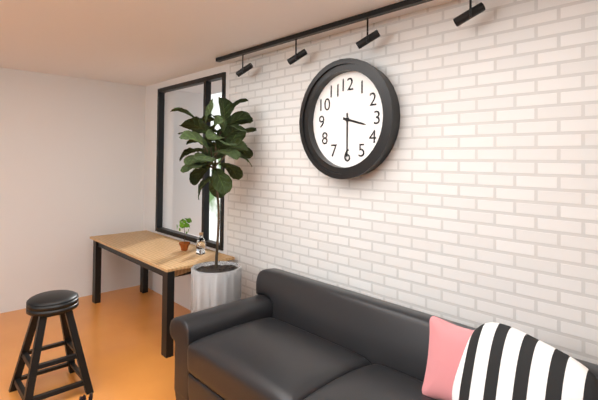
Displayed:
3.30
